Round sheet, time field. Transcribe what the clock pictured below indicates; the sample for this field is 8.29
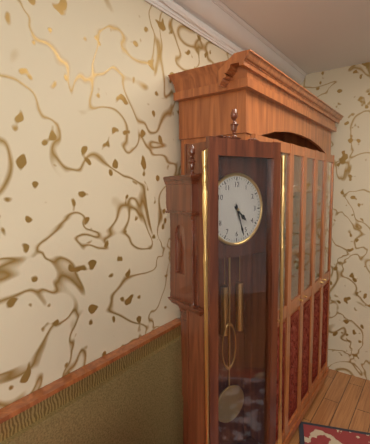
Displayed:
4.27
